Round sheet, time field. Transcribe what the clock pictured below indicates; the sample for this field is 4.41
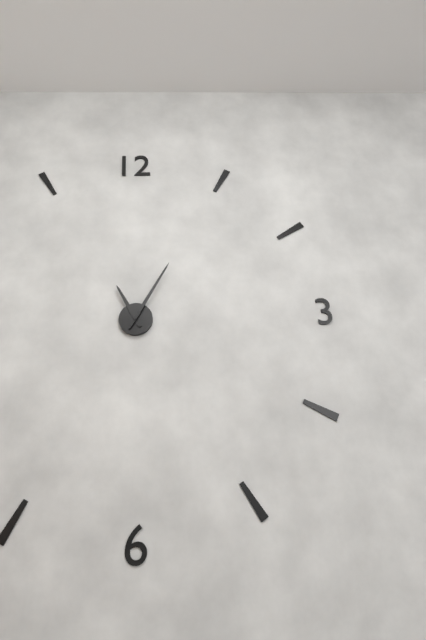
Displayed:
11.05
